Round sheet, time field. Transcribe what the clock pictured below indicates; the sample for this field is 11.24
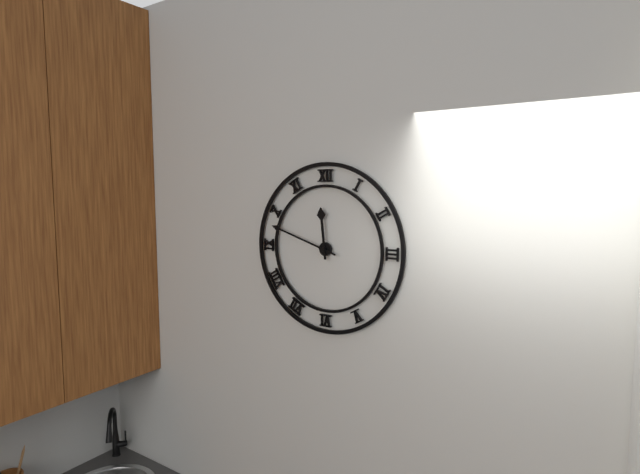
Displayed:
11.48
